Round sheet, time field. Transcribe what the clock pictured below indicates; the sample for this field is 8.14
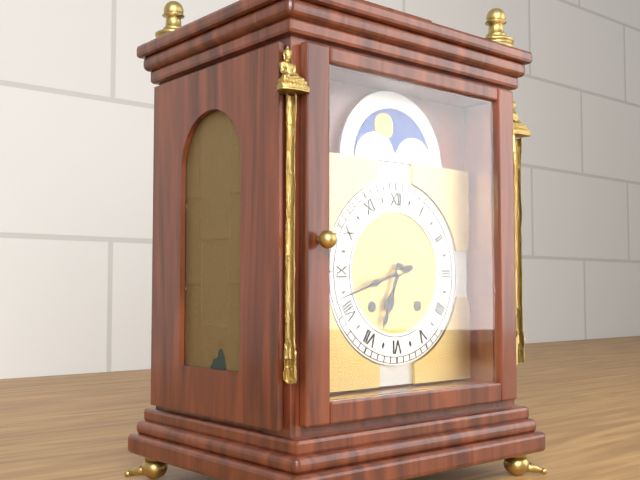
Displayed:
6.42
